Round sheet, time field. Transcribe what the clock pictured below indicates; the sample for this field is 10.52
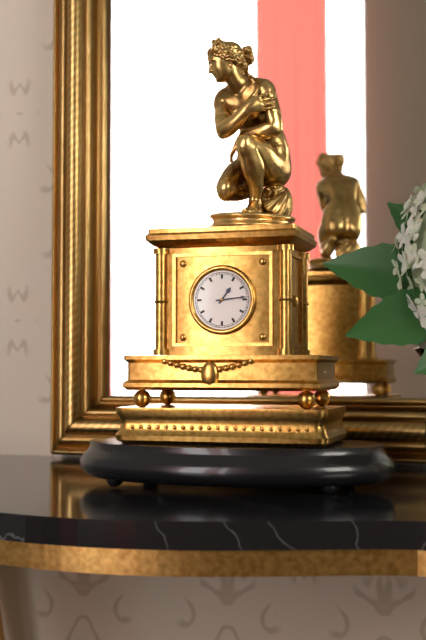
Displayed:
1.14
